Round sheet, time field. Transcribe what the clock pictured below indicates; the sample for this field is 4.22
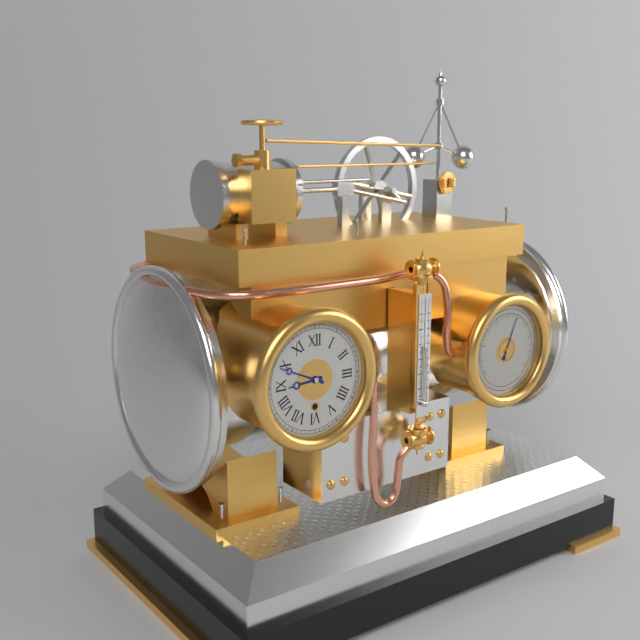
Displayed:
8.49
